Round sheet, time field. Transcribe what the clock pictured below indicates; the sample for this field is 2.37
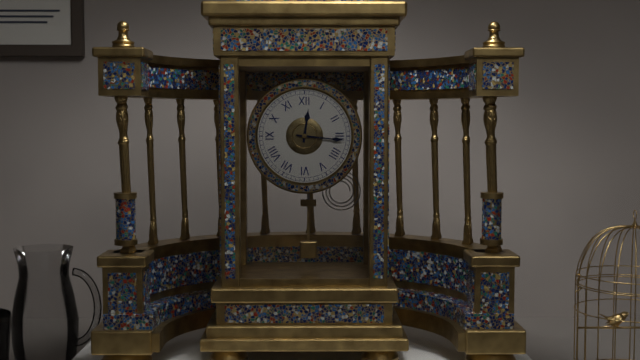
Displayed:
12.16
